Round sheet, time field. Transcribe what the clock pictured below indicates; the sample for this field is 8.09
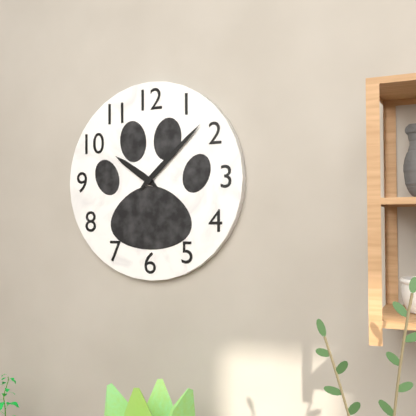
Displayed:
10.08
